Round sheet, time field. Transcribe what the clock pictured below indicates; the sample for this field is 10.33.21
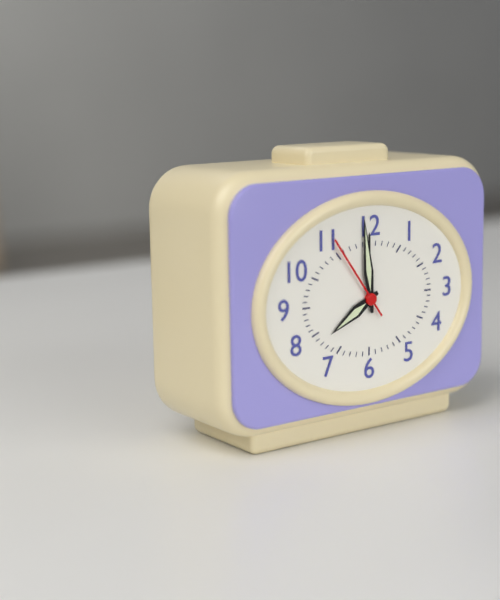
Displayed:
7.59.54
